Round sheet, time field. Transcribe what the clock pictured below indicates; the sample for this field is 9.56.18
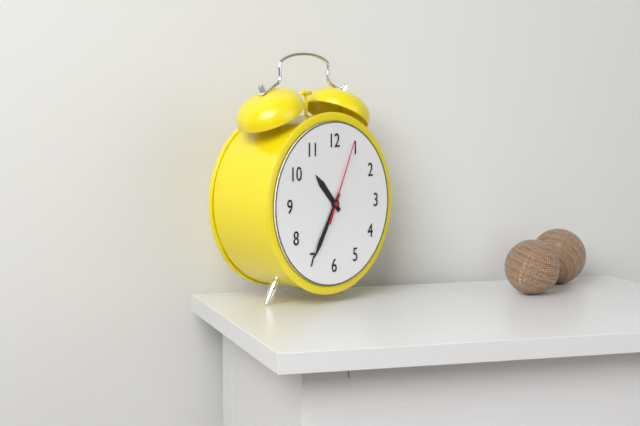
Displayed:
10.35.04
